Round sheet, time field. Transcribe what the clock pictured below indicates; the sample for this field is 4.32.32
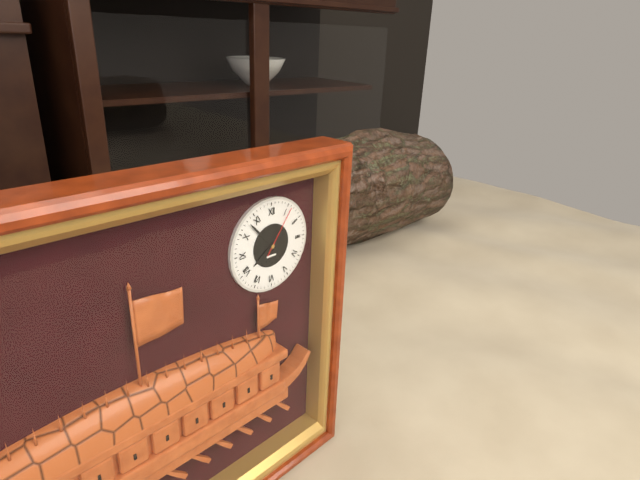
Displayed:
7.53.06
